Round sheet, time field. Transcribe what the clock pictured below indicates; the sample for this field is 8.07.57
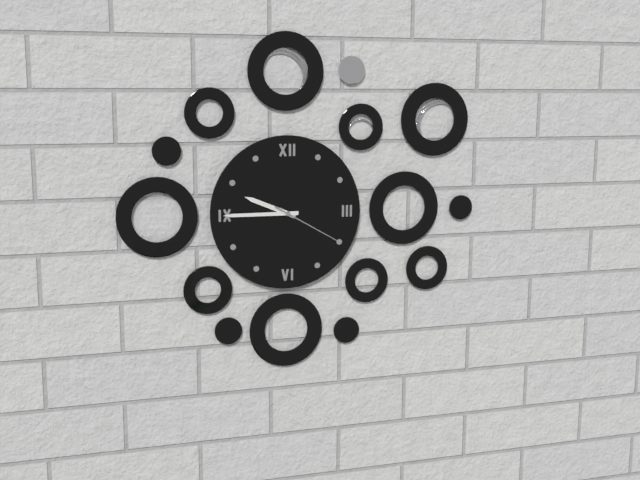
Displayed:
9.45.20
